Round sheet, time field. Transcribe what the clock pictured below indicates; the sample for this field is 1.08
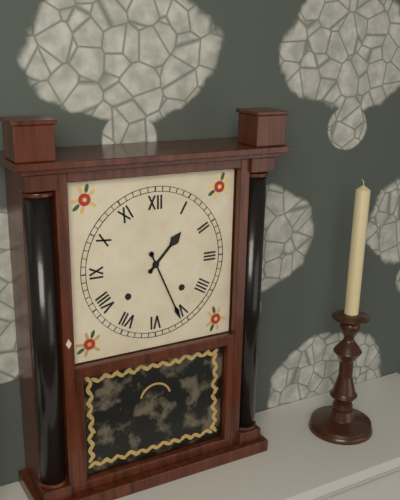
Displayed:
1.26
